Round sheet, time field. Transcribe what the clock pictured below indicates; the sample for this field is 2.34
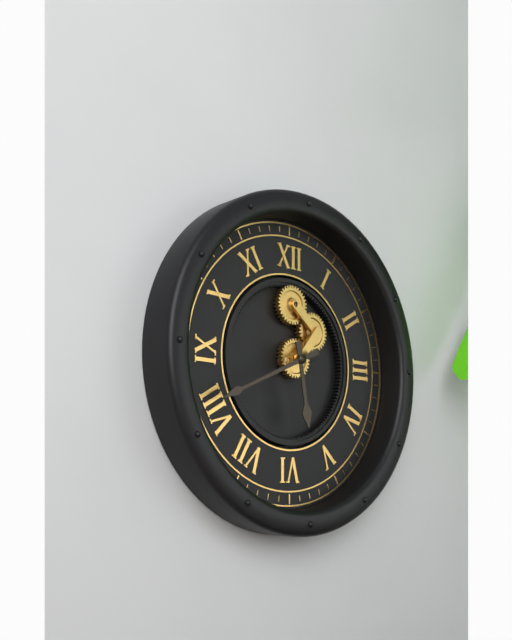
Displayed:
5.41
